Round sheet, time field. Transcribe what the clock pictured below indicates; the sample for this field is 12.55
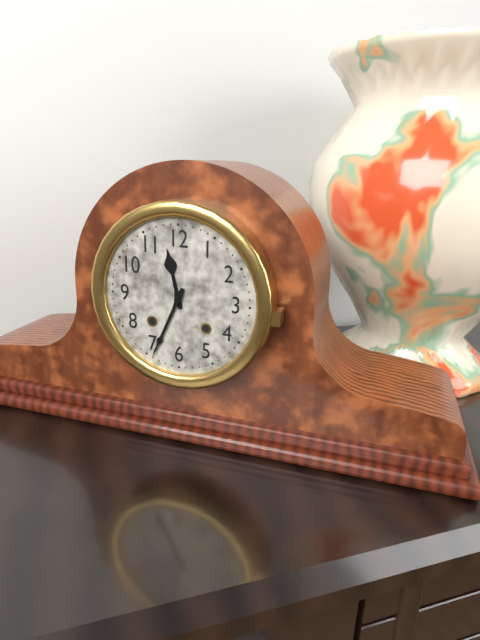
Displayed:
11.34
